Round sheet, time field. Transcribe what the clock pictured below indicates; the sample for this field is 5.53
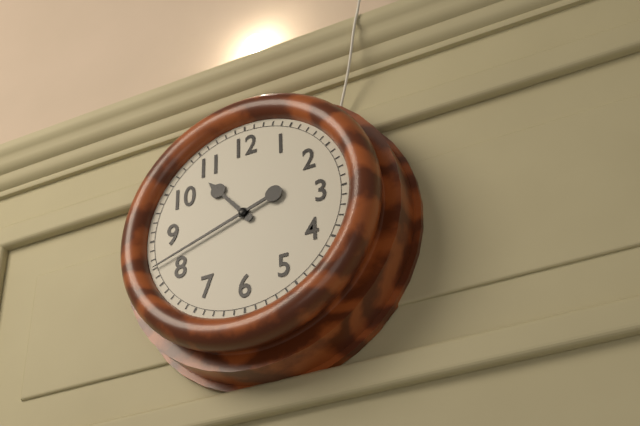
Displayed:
10.42
